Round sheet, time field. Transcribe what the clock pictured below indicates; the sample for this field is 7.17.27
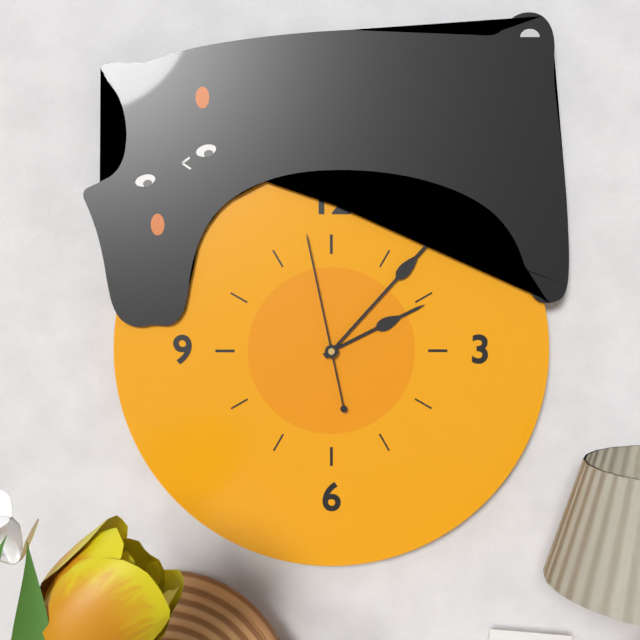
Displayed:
2.07.58
